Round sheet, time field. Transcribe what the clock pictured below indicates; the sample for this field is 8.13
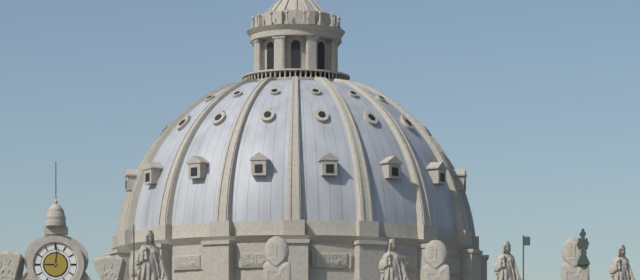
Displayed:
9.01
